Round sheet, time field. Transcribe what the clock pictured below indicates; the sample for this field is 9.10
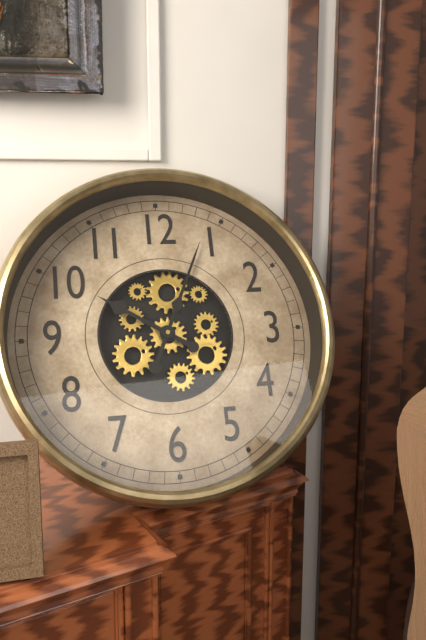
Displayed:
10.04
